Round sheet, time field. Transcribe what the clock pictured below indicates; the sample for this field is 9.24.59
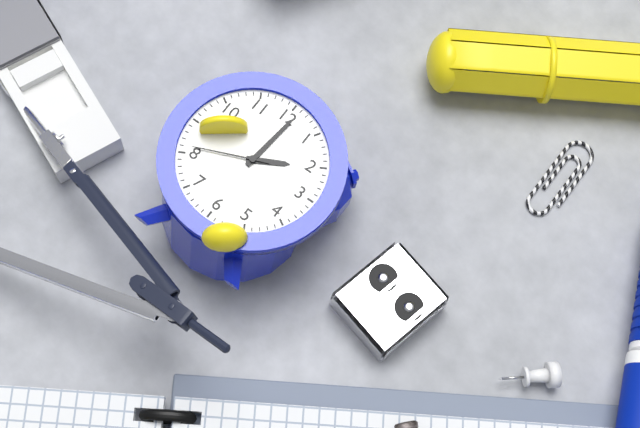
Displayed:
2.01.41
